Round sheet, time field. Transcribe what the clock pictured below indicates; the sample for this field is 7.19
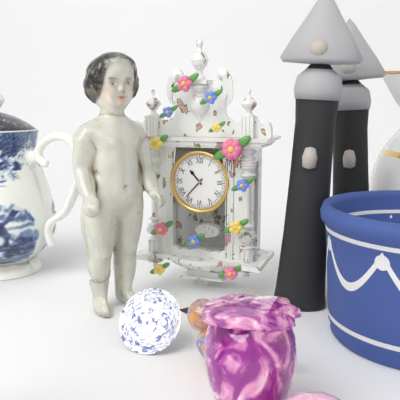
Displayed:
10.37
